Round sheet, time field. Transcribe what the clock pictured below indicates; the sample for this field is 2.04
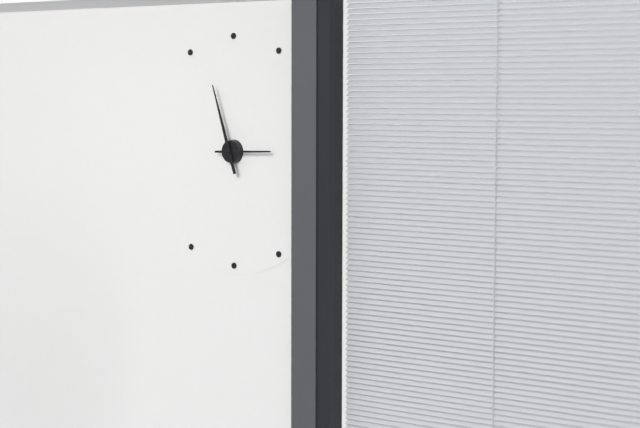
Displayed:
2.57
